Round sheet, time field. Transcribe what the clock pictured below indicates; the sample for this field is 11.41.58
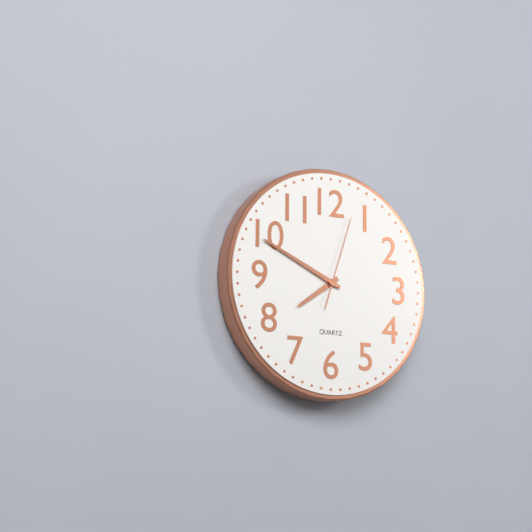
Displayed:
7.49.03
